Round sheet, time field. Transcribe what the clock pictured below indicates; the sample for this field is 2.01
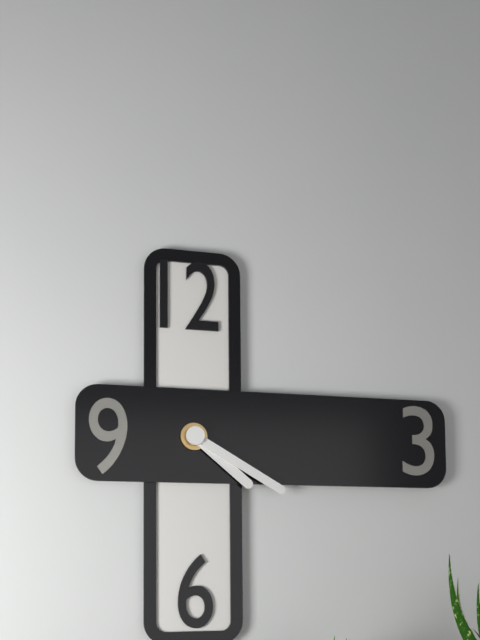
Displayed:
4.20
